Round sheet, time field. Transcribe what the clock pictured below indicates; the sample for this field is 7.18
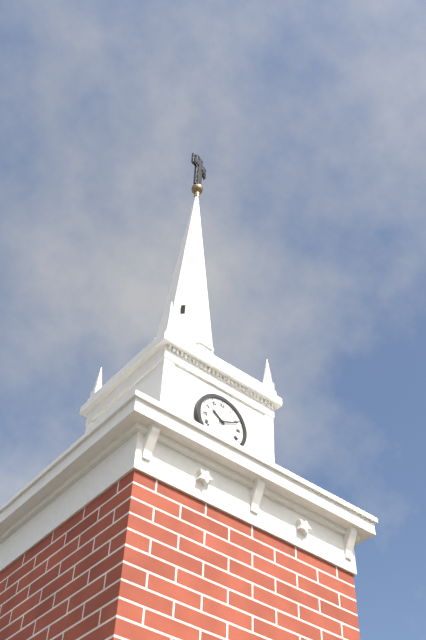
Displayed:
10.11
